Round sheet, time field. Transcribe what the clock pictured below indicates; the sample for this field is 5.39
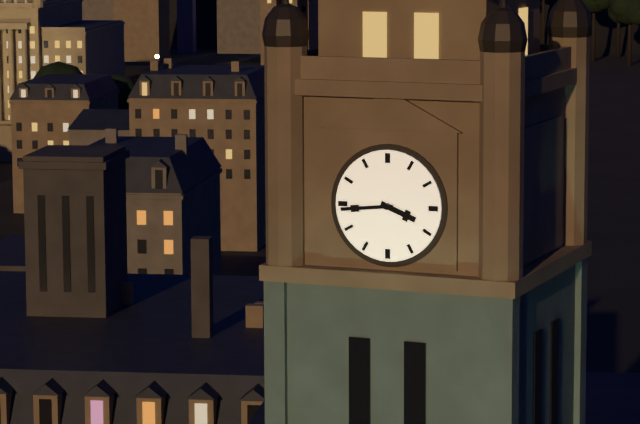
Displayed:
3.44
